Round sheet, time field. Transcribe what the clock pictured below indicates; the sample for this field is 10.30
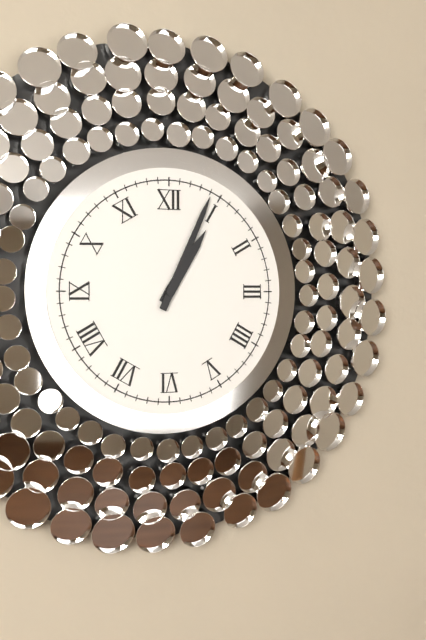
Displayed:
1.04
